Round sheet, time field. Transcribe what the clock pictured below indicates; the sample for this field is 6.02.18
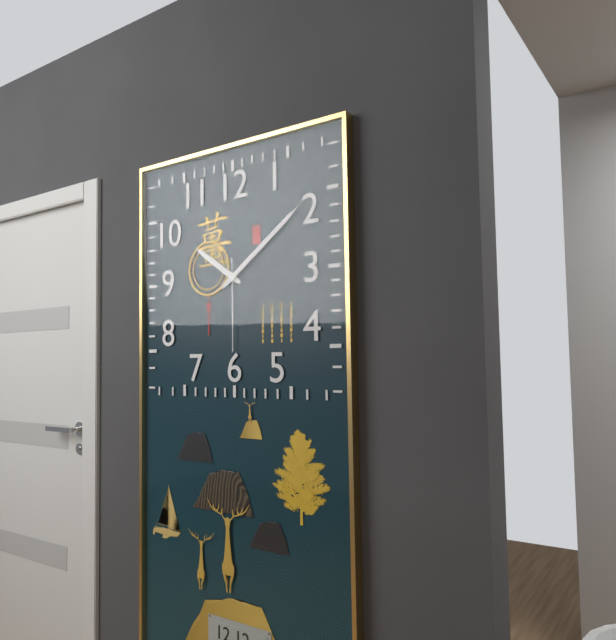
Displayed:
10.09.30
